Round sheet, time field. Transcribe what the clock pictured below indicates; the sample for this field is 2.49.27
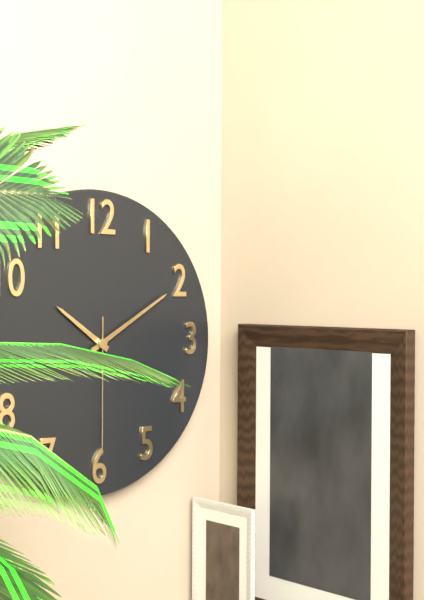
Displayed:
10.10.30
